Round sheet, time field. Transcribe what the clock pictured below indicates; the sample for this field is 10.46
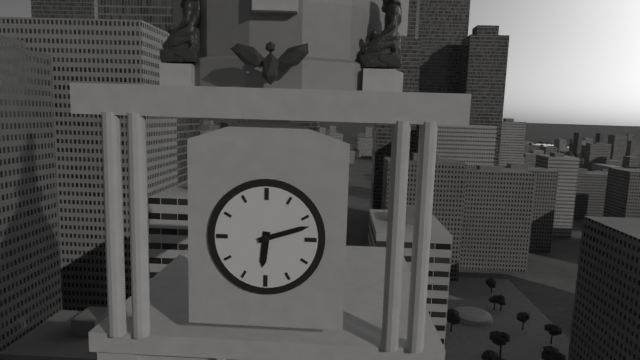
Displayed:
6.12
